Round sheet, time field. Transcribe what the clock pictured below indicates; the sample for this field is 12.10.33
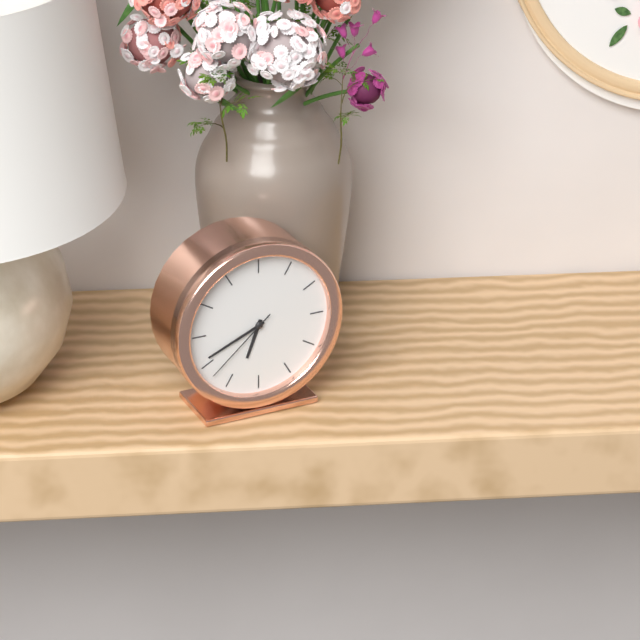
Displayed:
6.41.38
